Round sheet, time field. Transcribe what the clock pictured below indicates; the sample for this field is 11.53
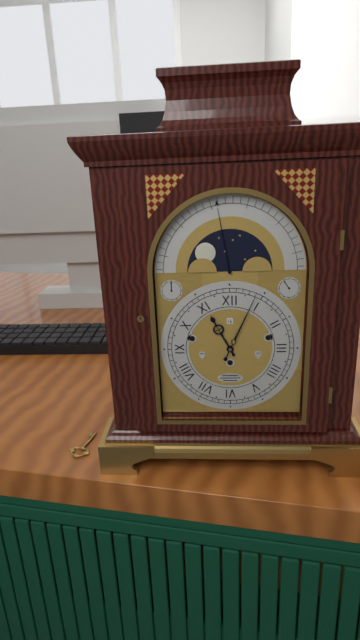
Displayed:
11.04
